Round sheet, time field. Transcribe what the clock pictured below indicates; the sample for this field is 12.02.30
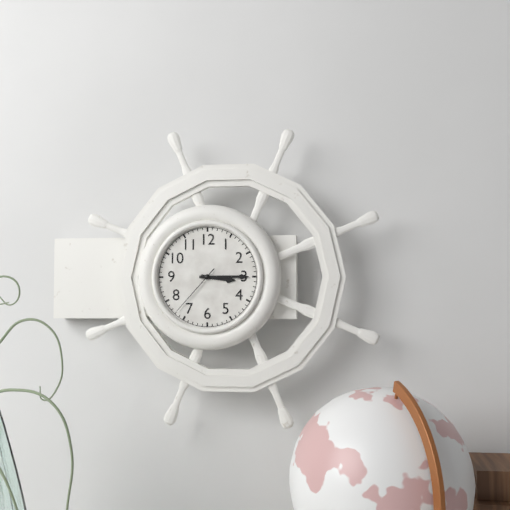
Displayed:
3.15.37
